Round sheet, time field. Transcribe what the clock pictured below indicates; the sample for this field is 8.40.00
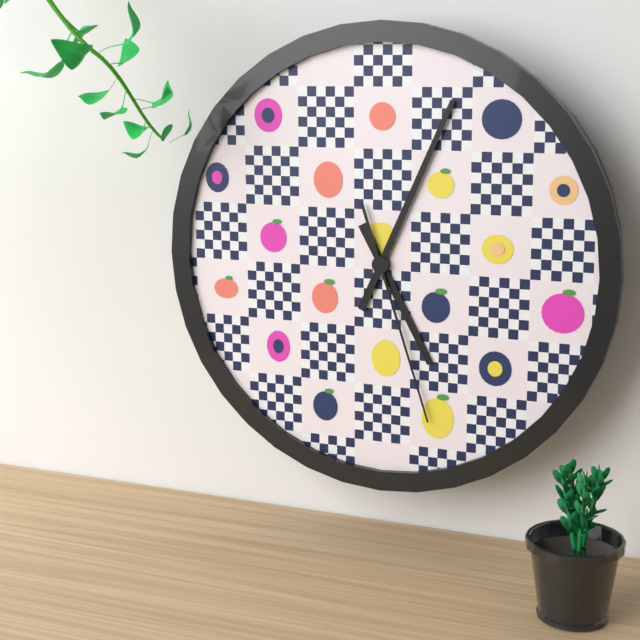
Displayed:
5.04.27
